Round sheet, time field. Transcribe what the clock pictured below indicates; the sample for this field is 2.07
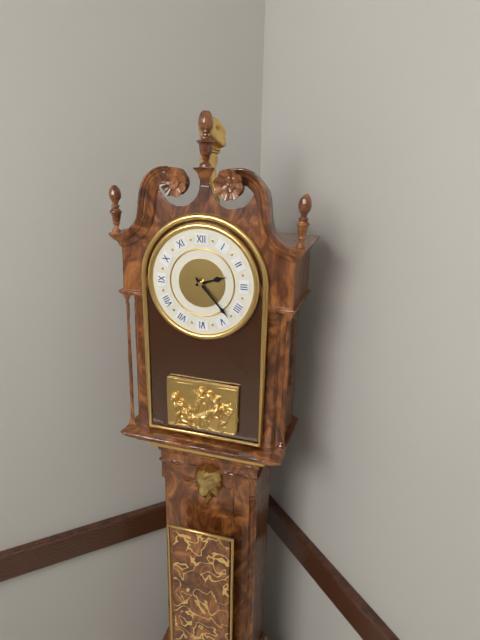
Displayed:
2.23
